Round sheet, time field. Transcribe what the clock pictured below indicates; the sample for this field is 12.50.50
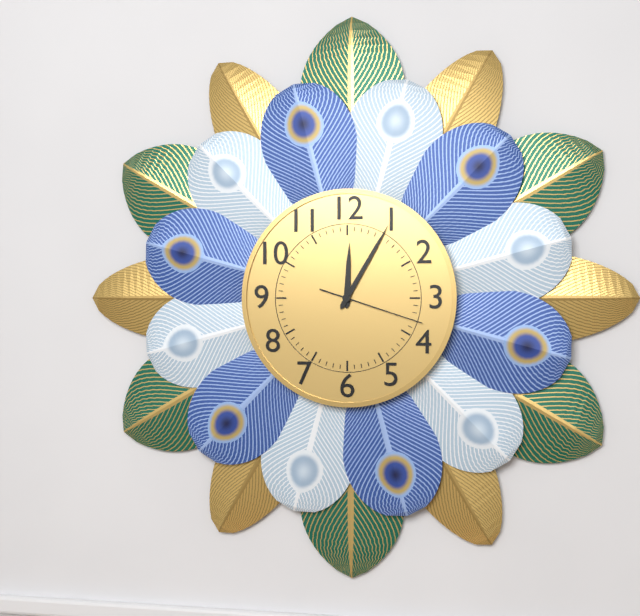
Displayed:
12.05.18
